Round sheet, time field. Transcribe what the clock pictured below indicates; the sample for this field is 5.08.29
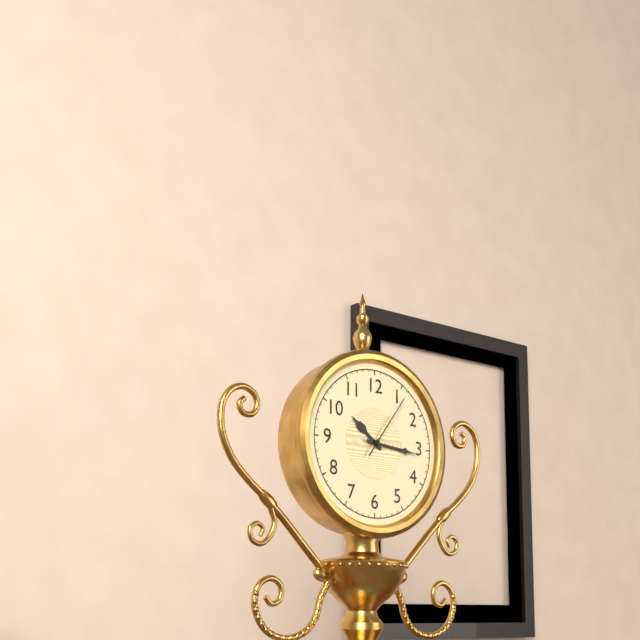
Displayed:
10.16.06
